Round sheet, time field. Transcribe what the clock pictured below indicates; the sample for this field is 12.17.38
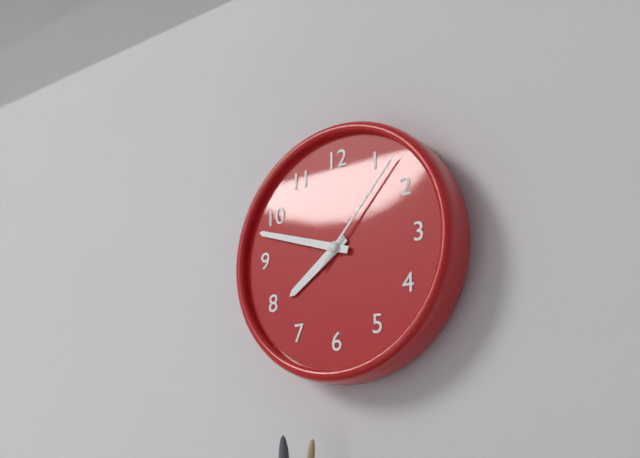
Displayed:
7.48.07
